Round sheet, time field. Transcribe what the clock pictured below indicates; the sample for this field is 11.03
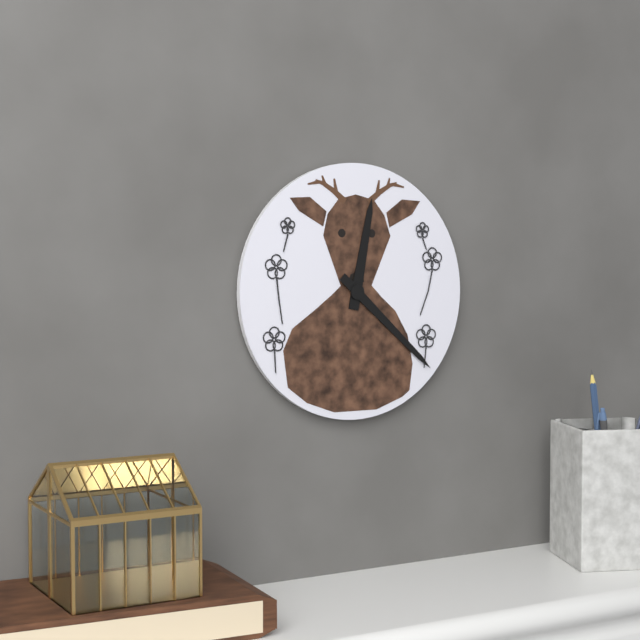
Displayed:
12.22
